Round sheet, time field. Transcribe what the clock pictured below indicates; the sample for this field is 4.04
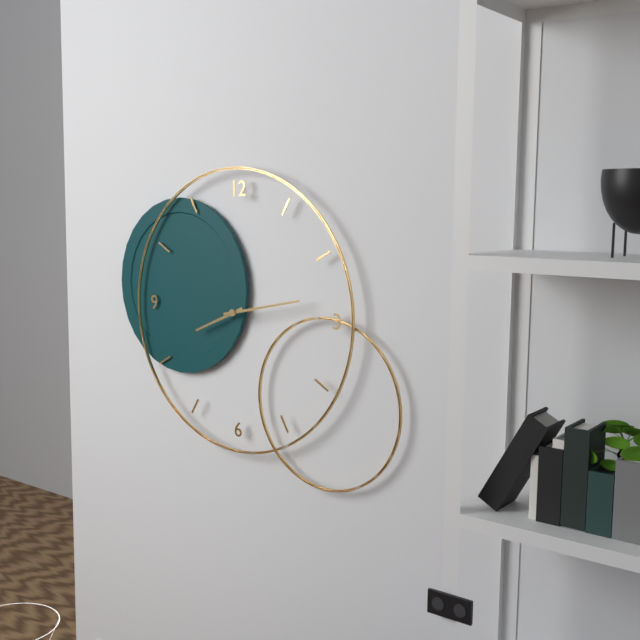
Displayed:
8.13
